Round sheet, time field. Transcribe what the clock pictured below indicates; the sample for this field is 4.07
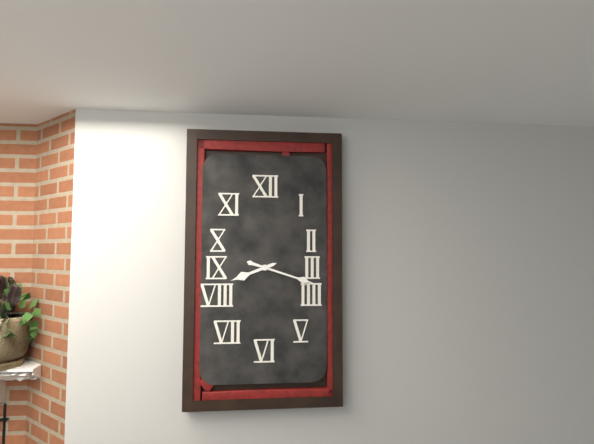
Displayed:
8.18
